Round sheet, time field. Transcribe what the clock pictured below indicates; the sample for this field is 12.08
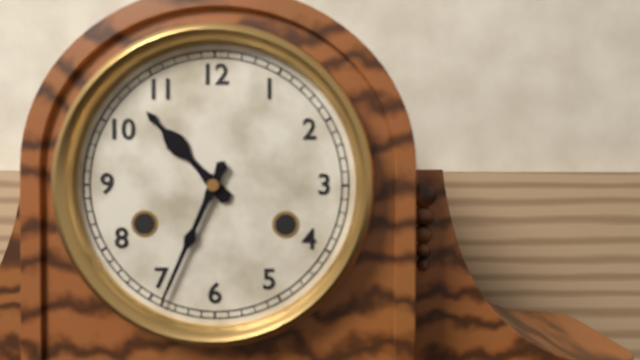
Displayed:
10.34
